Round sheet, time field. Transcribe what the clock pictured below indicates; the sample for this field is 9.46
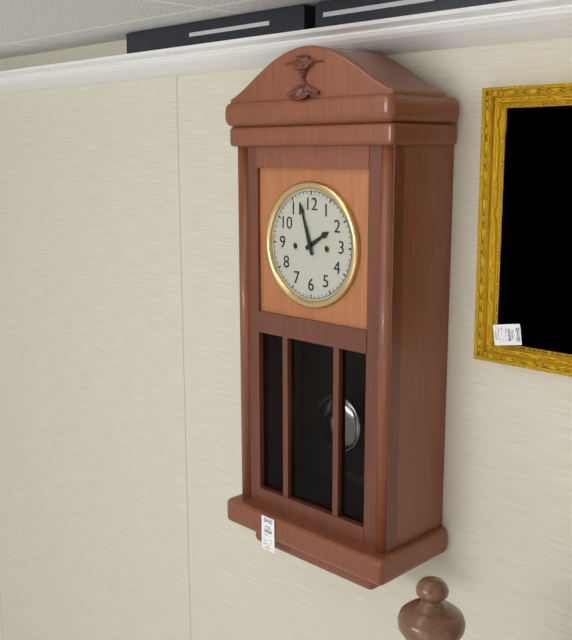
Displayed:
1.57
